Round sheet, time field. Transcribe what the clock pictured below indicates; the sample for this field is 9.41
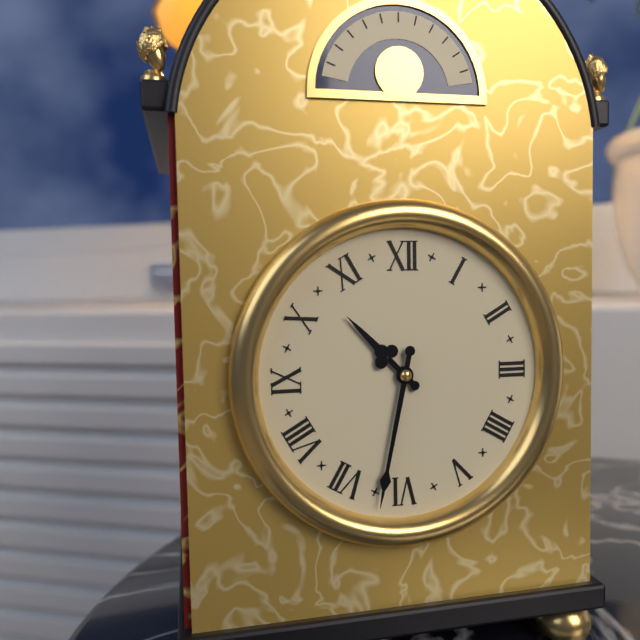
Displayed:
10.32
